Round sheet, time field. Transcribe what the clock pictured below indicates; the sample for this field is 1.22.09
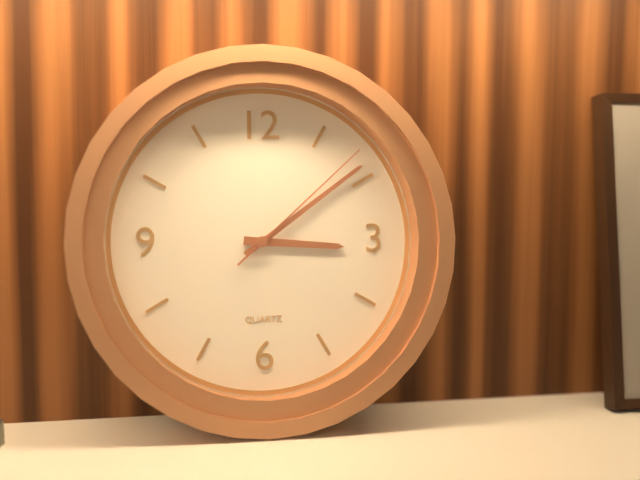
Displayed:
3.09.08
